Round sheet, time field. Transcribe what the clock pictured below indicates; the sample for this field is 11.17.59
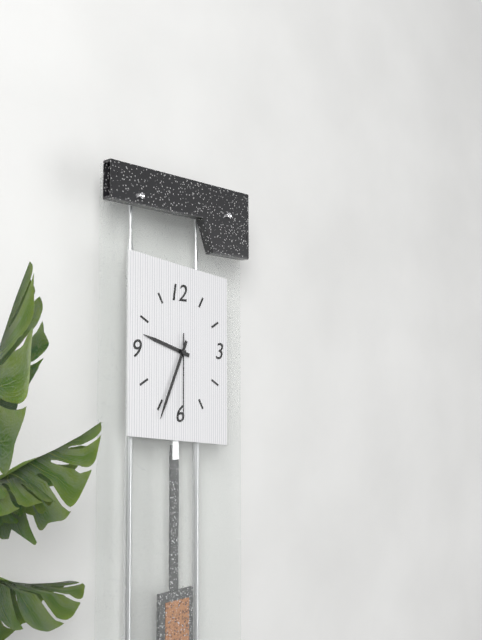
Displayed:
9.34.30
